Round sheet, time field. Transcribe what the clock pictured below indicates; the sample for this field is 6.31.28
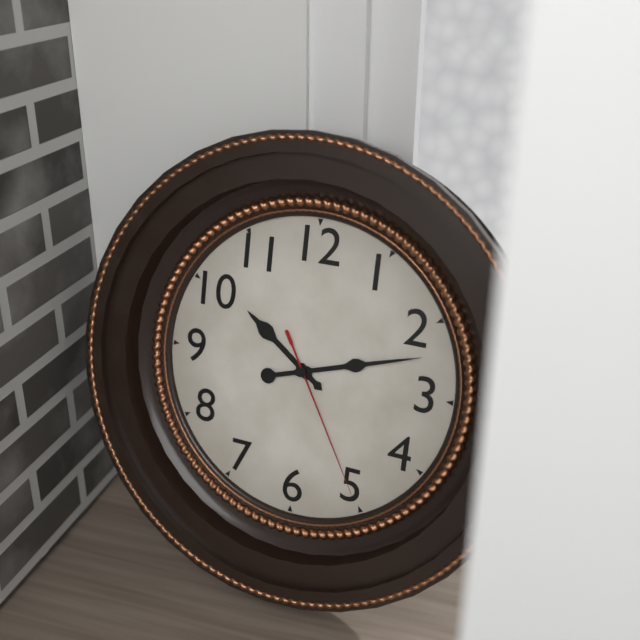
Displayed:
10.12.25
